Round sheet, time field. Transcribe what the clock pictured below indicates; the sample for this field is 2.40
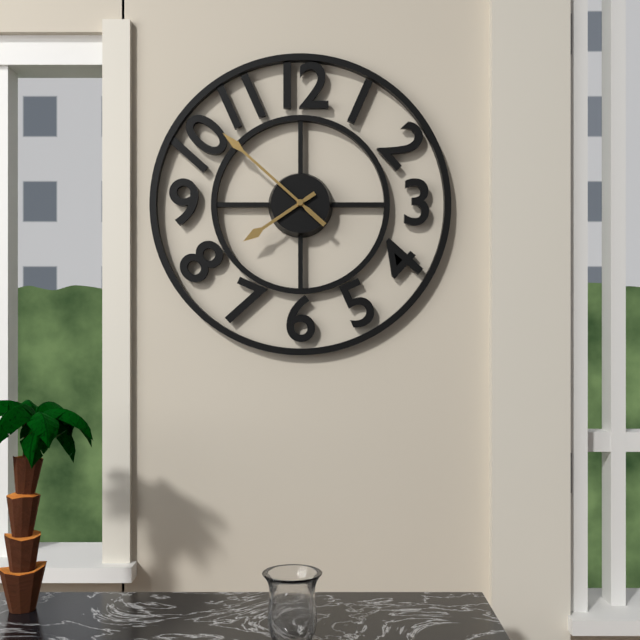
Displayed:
7.52
